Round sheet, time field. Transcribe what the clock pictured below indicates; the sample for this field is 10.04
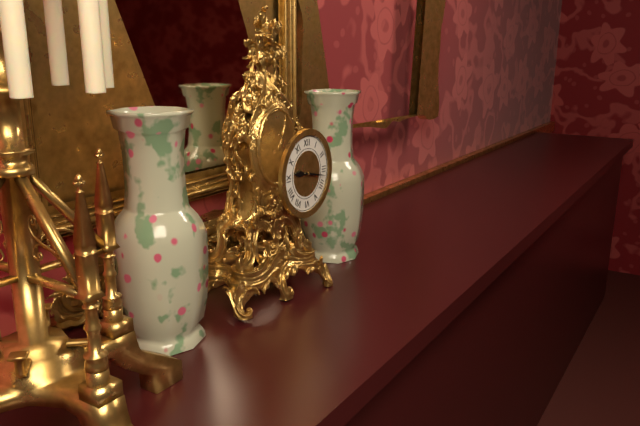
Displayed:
9.17
